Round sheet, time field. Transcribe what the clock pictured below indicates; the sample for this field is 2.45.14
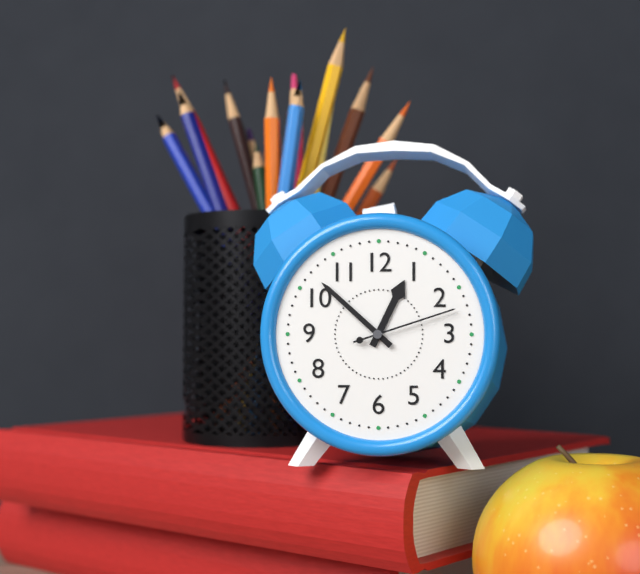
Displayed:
12.52.12
